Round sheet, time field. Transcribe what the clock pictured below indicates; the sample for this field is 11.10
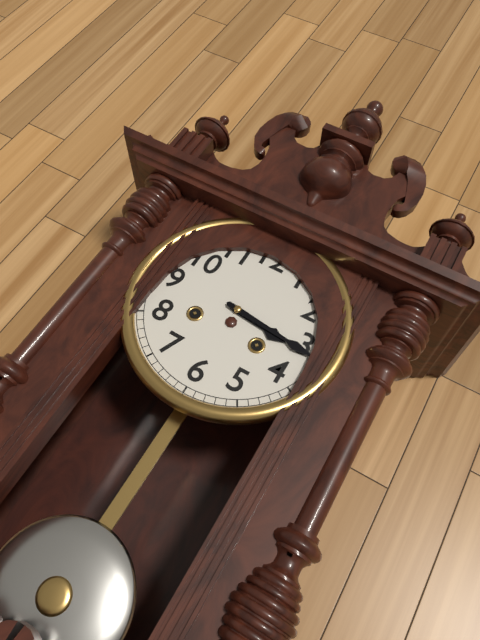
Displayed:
3.16
